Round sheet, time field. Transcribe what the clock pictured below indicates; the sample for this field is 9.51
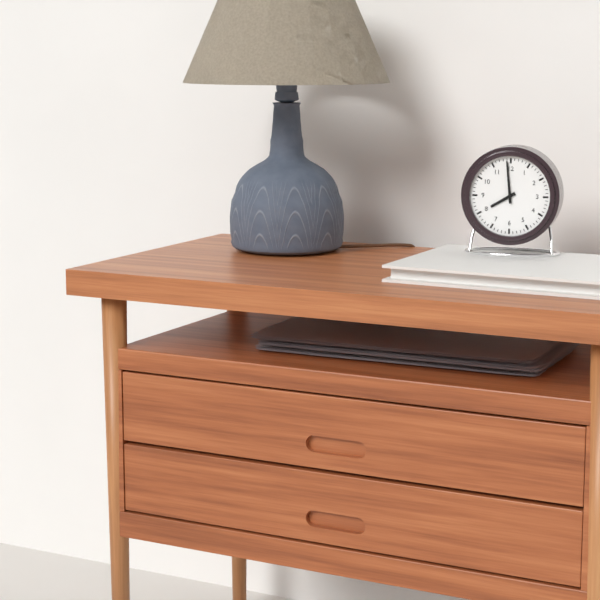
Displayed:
7.59
